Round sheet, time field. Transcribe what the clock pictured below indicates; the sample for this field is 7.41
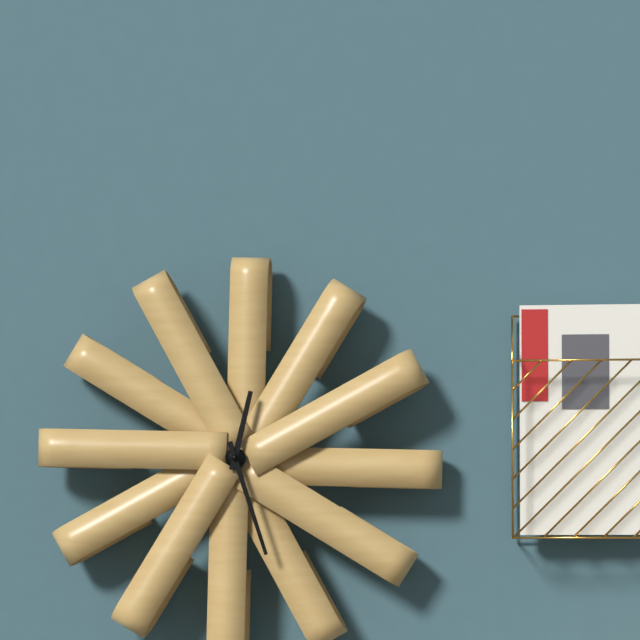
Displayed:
12.27
